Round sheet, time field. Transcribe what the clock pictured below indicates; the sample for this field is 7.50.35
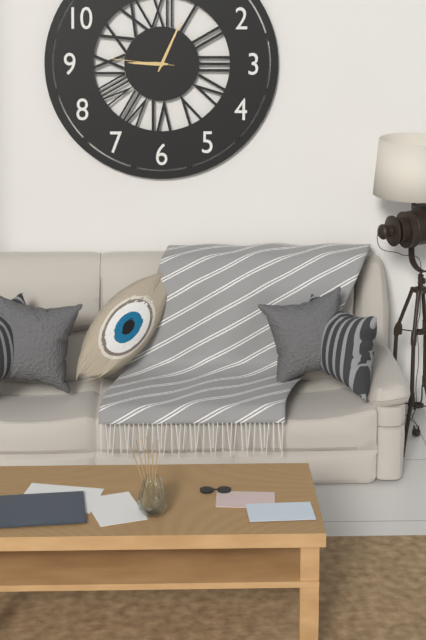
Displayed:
9.04.46
